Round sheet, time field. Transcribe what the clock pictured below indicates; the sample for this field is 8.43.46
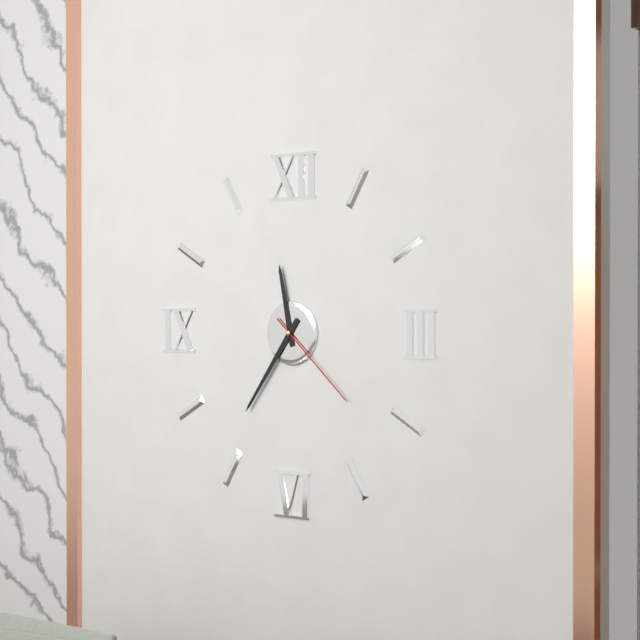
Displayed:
11.36.22
